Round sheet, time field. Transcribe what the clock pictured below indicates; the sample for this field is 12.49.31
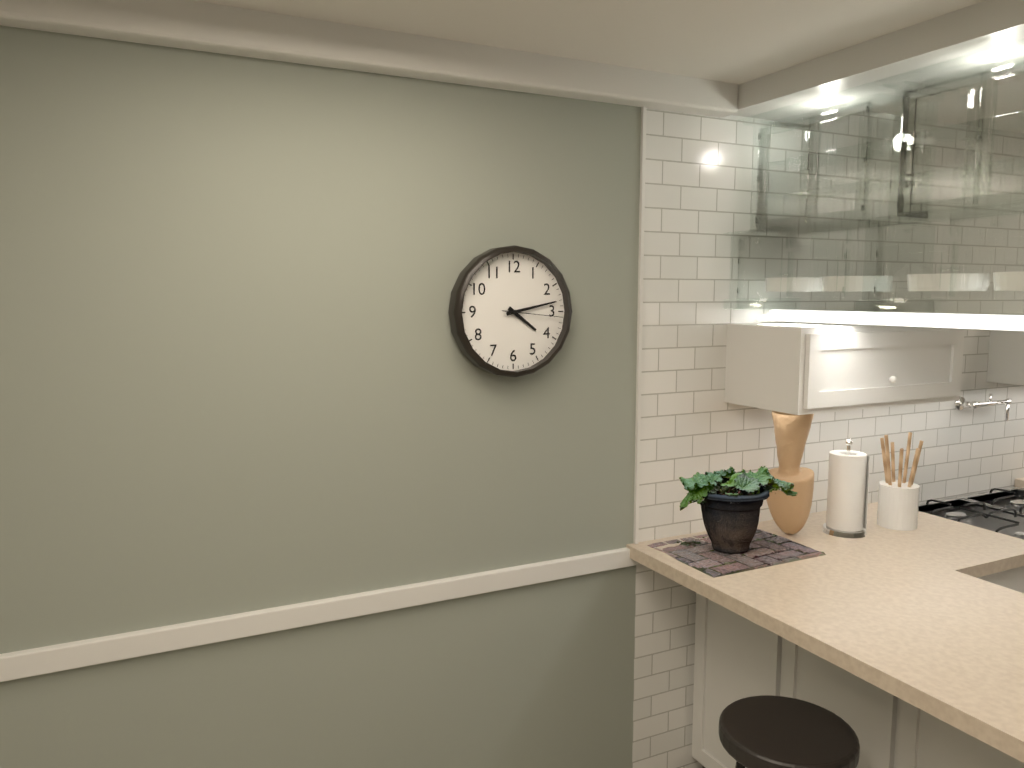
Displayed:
4.13.16
